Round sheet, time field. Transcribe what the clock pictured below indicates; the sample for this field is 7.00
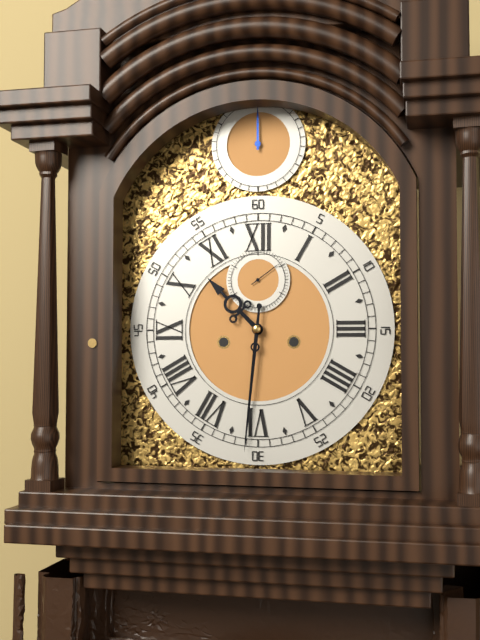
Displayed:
10.31
